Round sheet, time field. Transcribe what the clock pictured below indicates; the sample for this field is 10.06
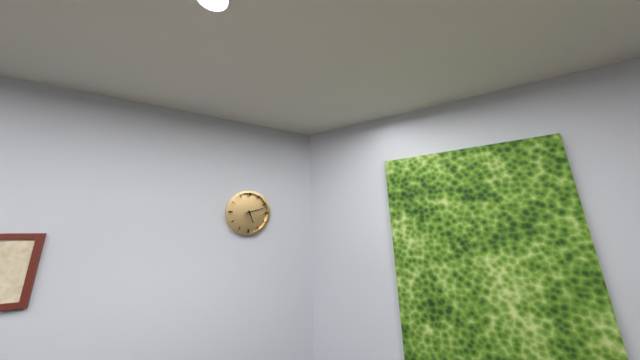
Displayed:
5.12
